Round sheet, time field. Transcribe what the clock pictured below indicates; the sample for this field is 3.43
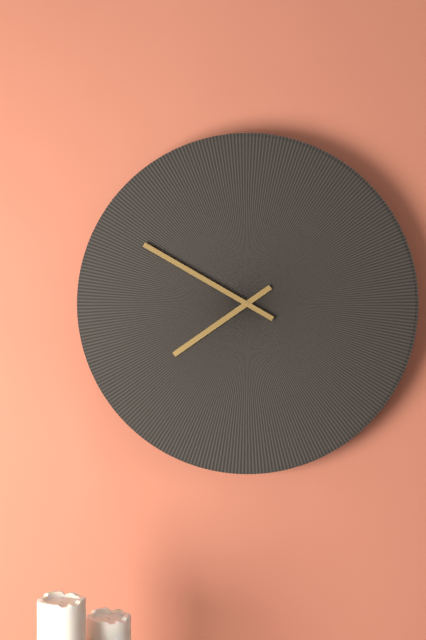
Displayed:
7.50
